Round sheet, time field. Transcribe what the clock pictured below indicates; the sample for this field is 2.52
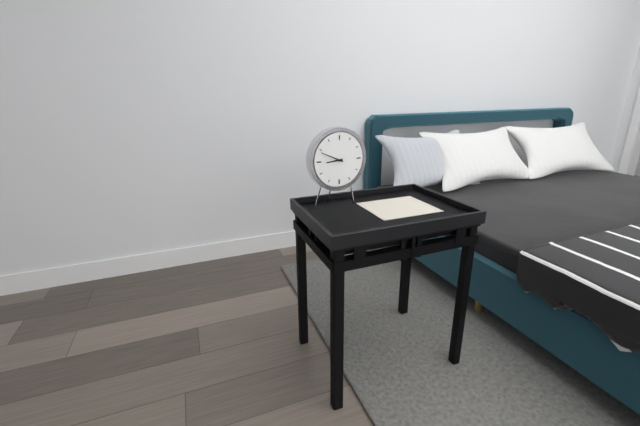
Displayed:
8.49
